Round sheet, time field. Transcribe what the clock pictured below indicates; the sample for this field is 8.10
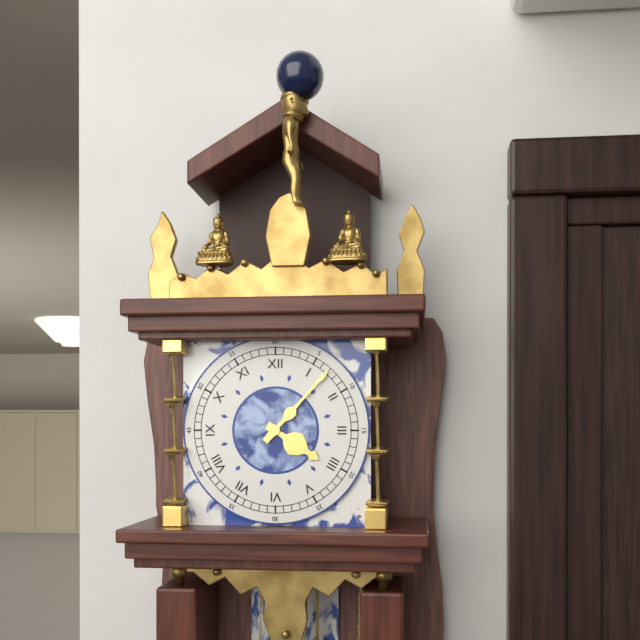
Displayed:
4.07
